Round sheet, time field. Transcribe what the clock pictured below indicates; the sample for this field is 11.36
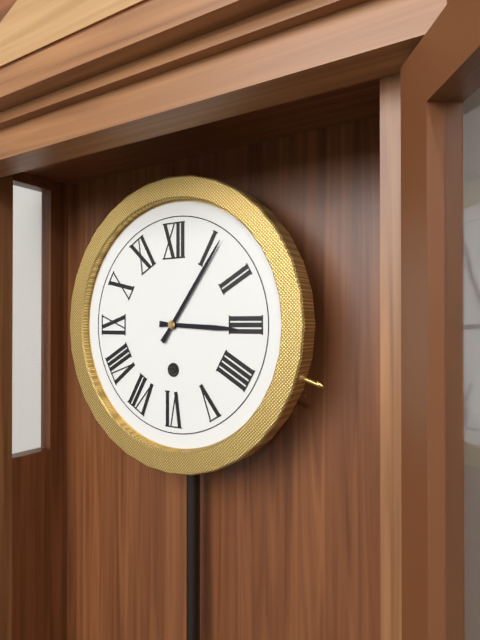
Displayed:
3.06
